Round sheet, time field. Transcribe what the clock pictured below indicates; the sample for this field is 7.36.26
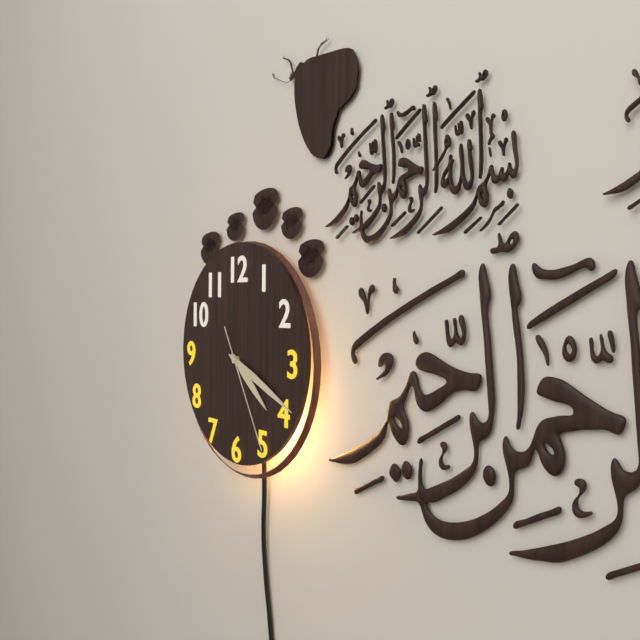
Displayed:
4.19.25
